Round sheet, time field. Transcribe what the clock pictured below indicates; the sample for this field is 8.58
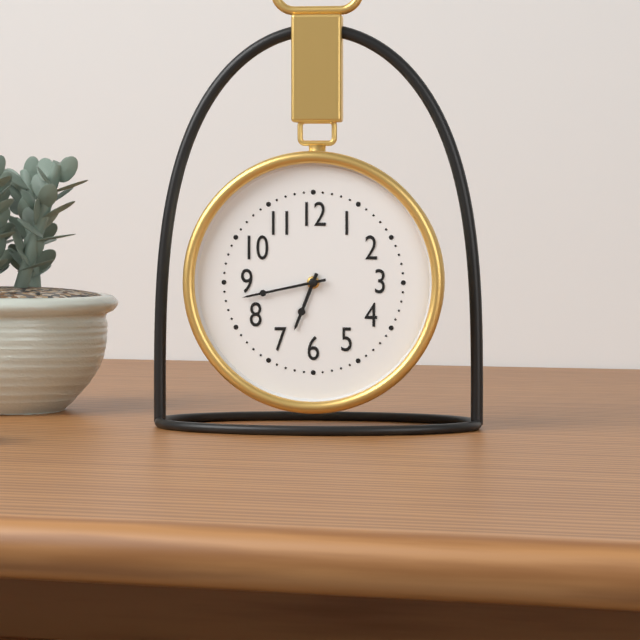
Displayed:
6.43
